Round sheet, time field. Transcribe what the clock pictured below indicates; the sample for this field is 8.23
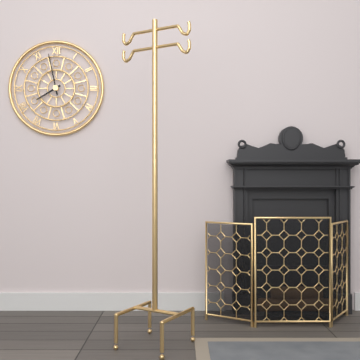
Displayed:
7.58
